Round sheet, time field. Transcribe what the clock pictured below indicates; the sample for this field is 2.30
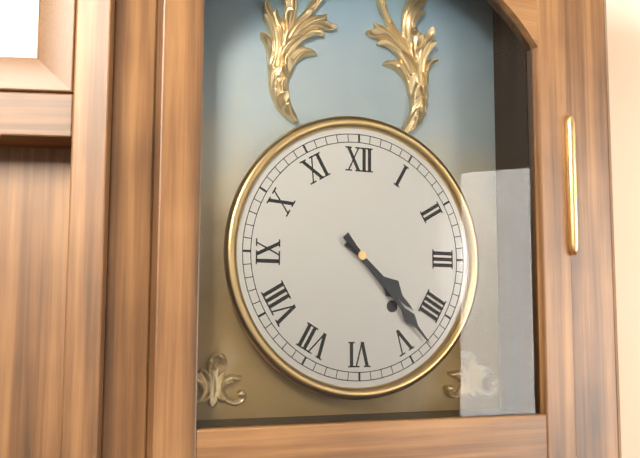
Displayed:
4.23
